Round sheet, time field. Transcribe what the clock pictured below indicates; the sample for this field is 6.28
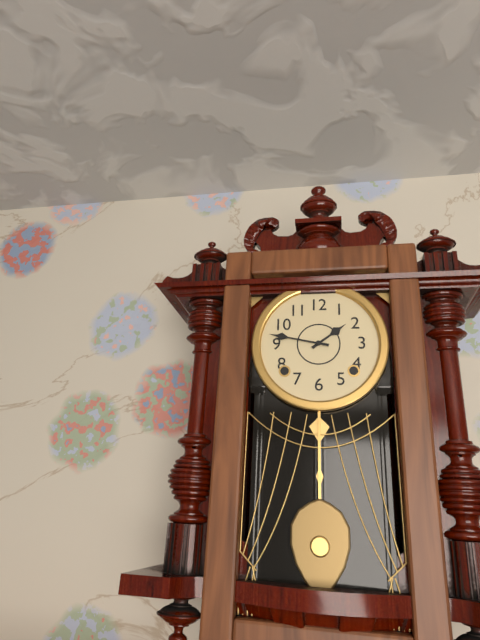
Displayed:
1.47
